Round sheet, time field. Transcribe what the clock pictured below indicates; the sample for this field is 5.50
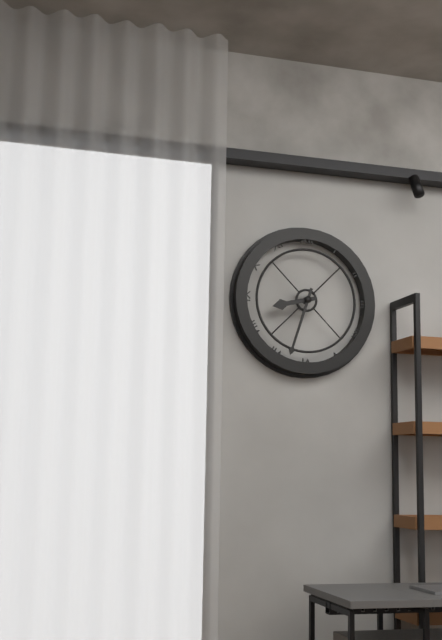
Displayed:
8.33
